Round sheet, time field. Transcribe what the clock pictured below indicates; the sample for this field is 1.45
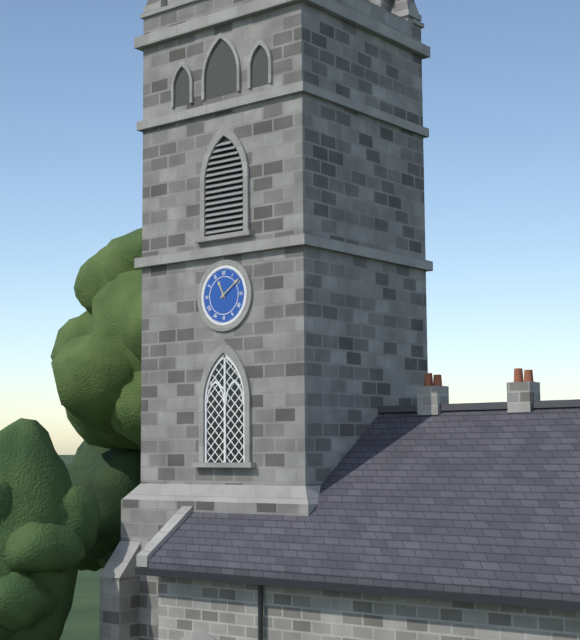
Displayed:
11.09
